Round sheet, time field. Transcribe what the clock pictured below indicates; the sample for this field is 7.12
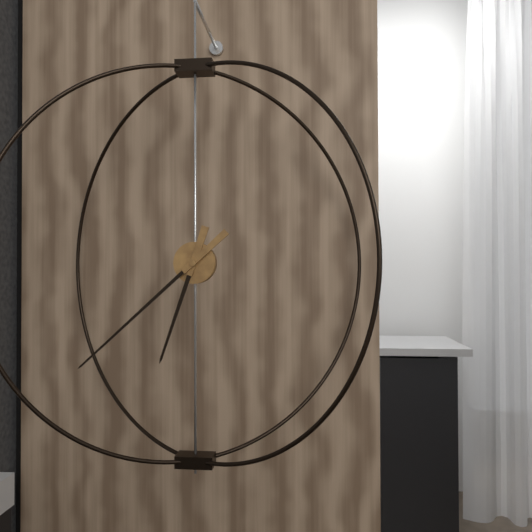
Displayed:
6.38
